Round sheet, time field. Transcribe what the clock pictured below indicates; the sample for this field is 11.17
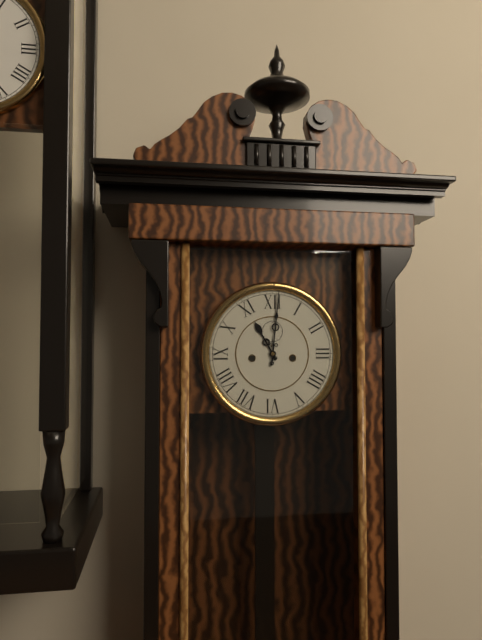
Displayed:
11.01
